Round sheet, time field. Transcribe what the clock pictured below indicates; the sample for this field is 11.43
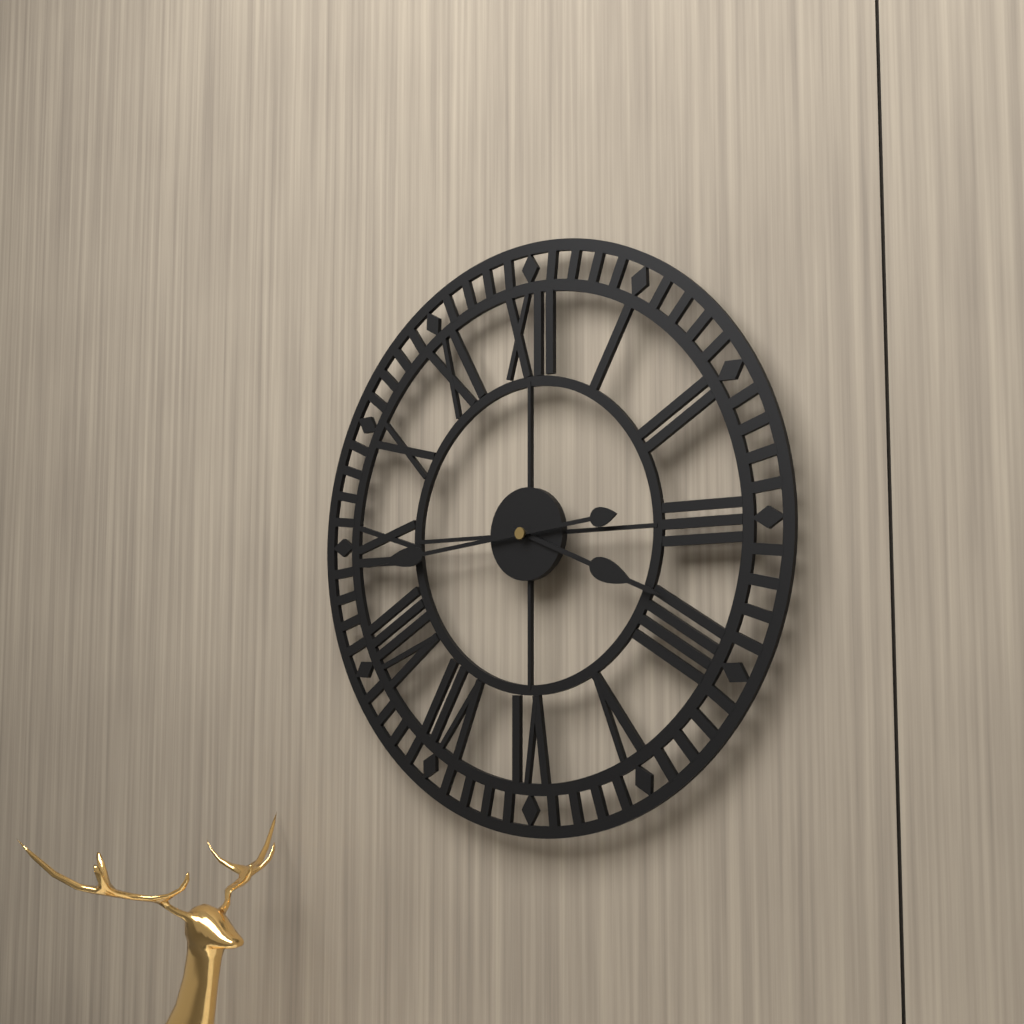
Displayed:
3.44
